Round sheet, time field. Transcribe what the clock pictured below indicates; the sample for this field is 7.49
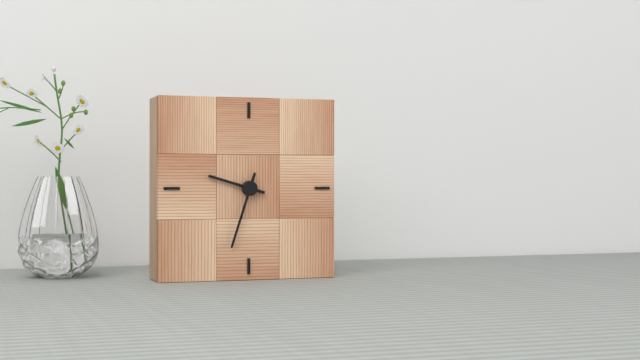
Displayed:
9.33
